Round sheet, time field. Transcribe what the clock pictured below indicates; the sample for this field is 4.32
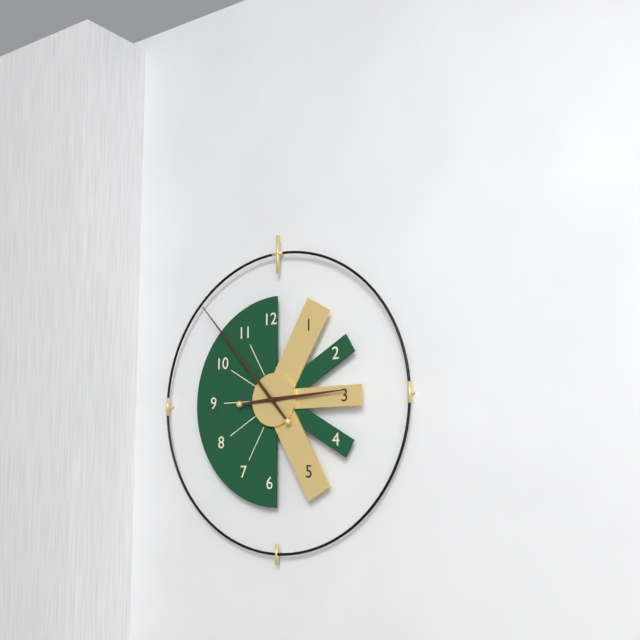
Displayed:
2.53
